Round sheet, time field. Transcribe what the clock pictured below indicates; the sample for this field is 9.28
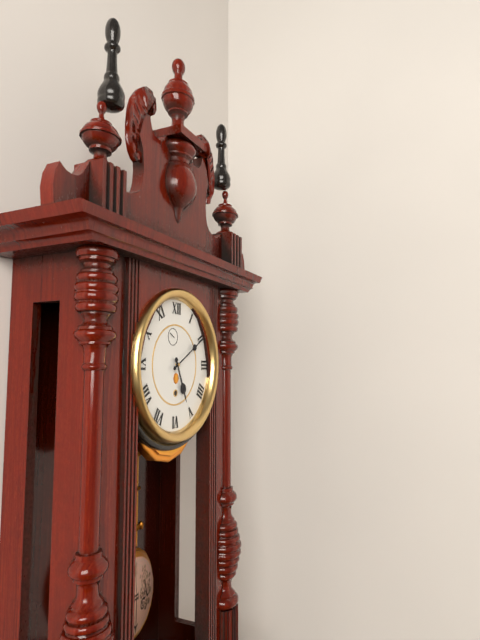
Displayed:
5.10
